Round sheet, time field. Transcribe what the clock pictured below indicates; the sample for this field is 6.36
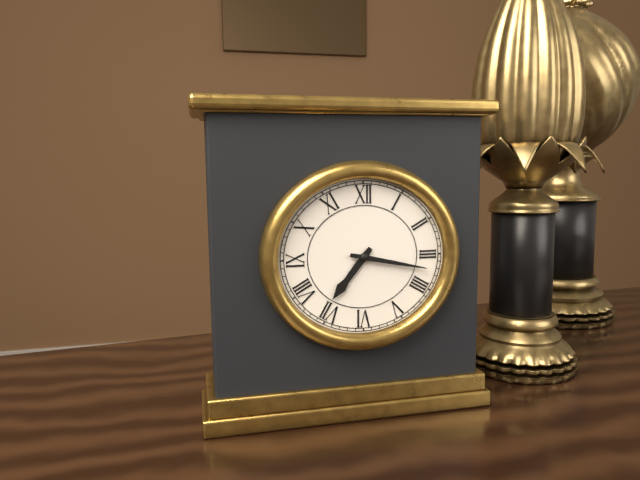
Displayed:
7.17
